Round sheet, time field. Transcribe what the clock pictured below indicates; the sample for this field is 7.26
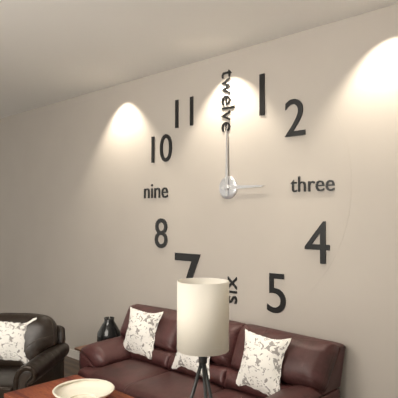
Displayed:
3.00
